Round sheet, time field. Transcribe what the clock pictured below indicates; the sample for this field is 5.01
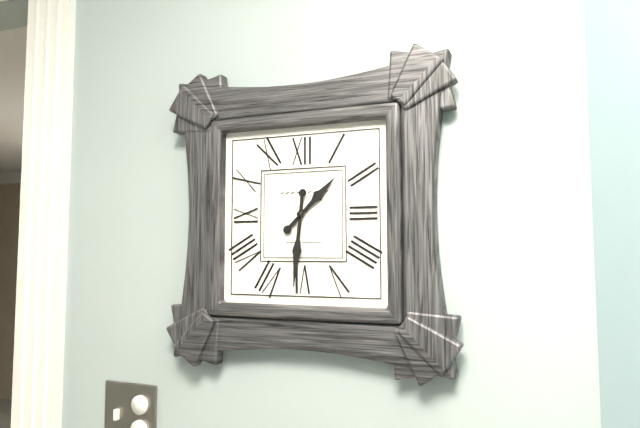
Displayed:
1.31
